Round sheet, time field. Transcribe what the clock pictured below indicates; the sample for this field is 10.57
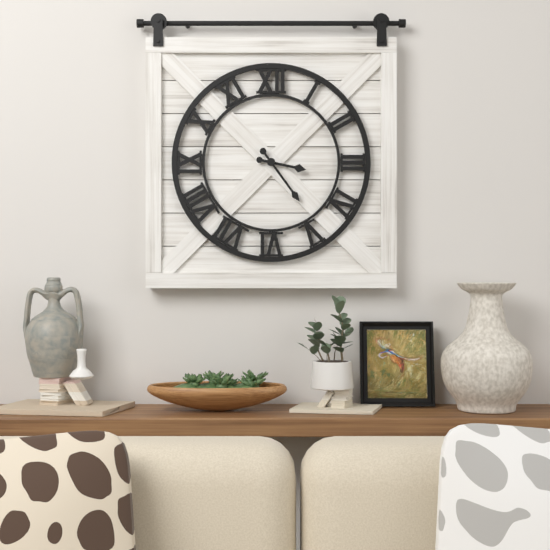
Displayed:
3.24
